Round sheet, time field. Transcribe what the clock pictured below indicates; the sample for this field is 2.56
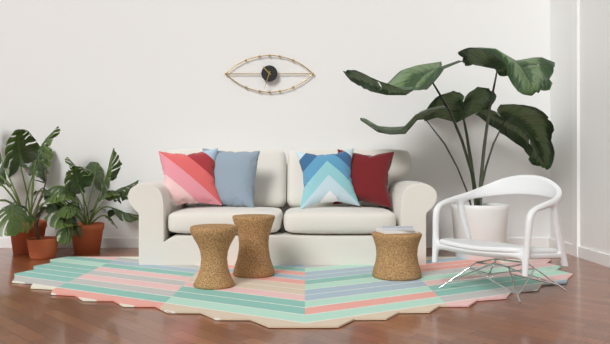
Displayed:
10.33
